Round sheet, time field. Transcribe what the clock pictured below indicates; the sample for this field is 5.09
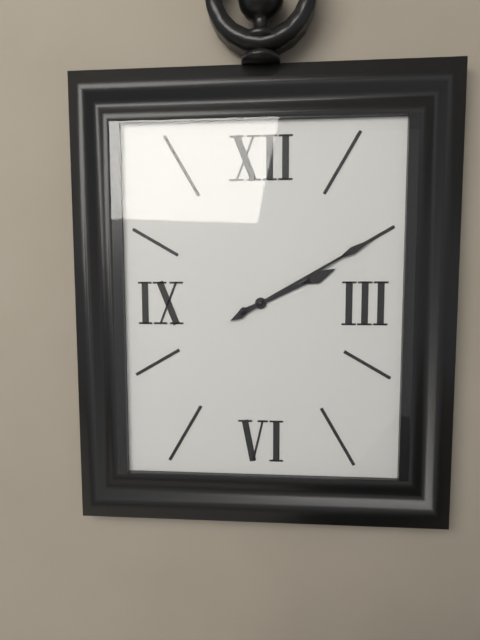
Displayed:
2.10
